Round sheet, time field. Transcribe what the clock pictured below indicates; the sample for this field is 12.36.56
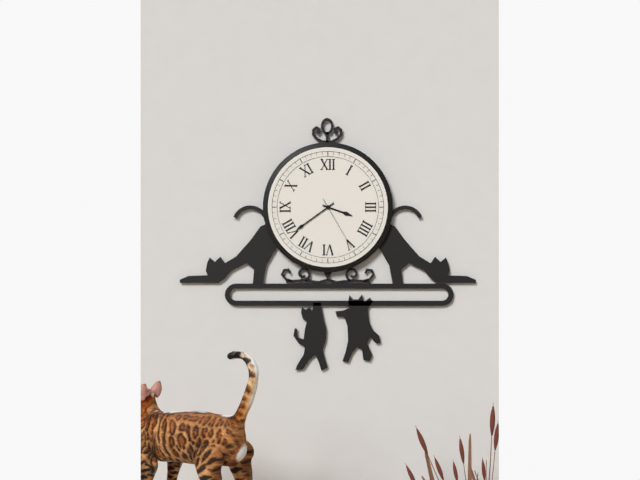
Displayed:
3.39.25
